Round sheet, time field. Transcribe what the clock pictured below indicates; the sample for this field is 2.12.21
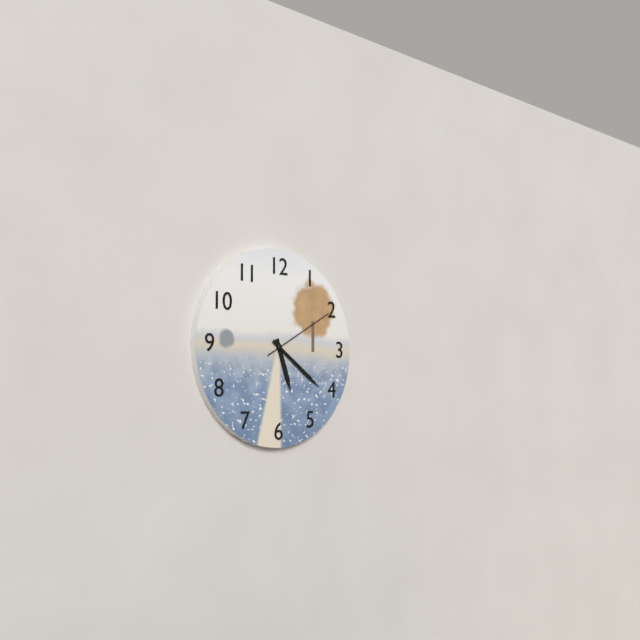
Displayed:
5.21.10
